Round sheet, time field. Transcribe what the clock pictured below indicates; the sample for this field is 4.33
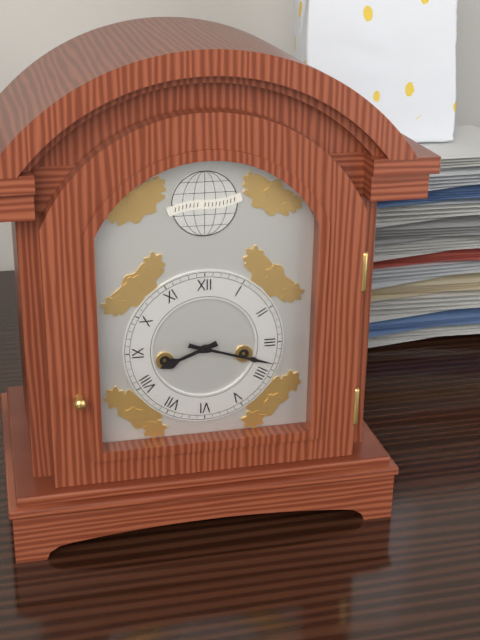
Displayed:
8.18
